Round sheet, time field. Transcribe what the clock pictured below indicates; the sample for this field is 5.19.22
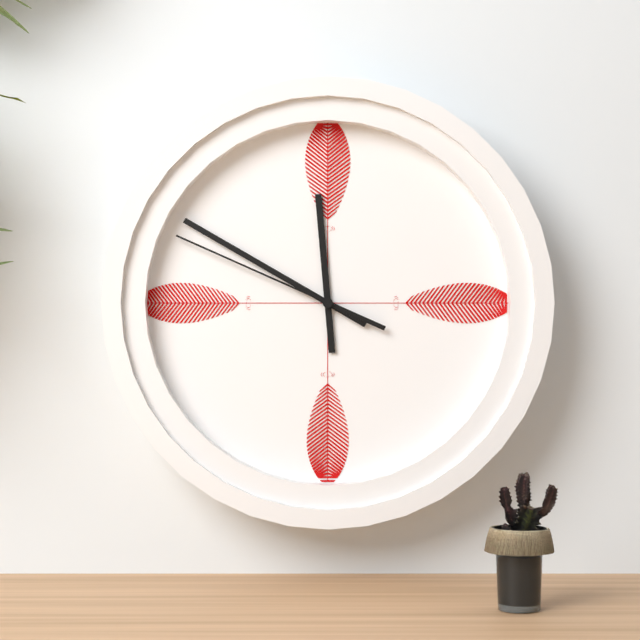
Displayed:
11.50.49
